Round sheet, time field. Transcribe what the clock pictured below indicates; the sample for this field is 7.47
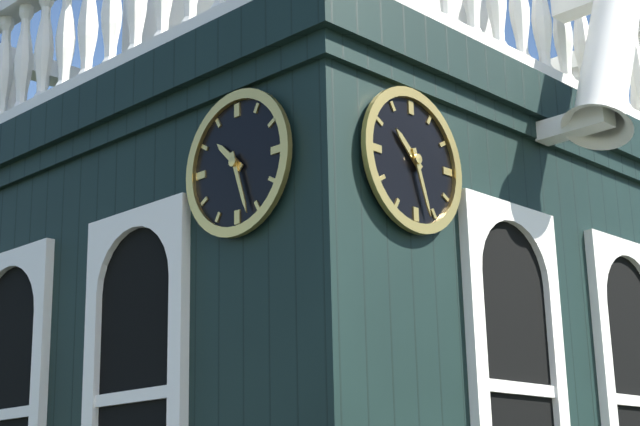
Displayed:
10.27
